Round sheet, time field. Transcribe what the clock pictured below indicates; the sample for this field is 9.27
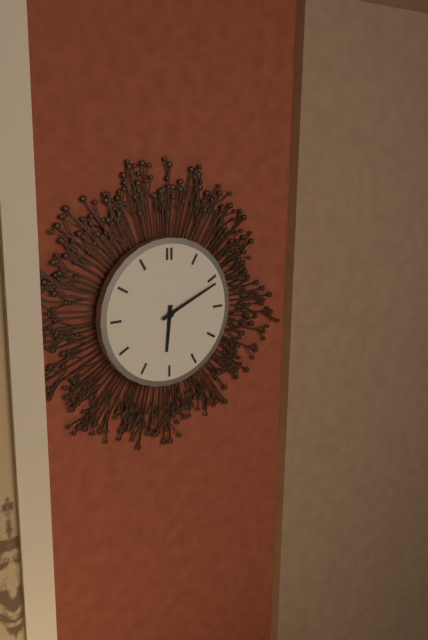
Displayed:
6.11
